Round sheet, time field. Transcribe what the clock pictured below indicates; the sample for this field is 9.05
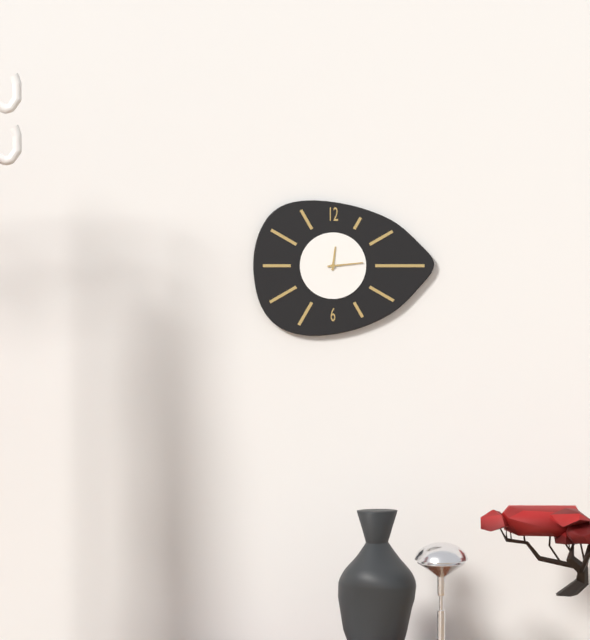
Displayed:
12.14
